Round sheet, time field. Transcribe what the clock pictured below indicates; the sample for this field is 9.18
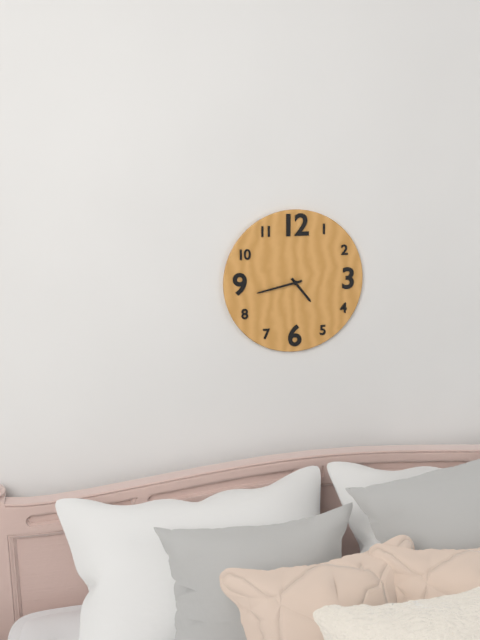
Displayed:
4.43
